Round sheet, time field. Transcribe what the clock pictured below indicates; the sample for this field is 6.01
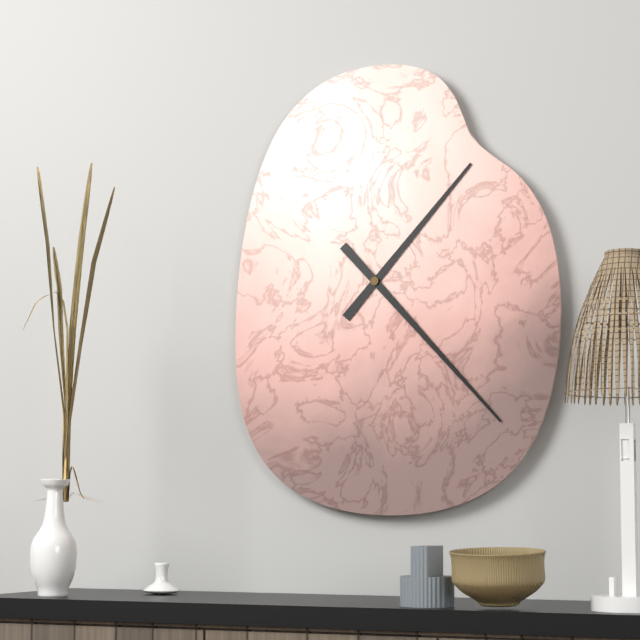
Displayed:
1.23
